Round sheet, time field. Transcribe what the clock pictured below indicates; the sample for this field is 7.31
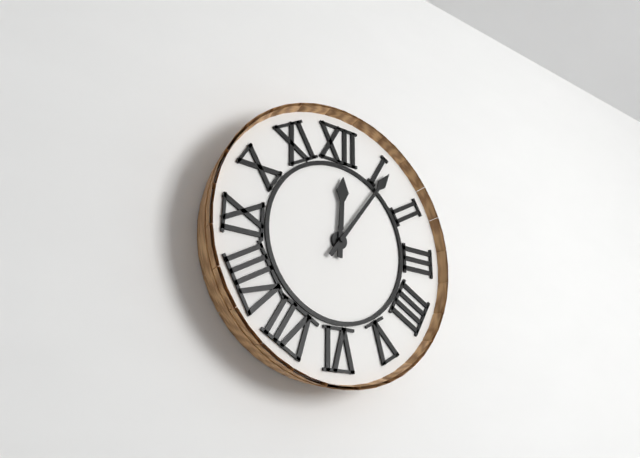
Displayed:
12.06
